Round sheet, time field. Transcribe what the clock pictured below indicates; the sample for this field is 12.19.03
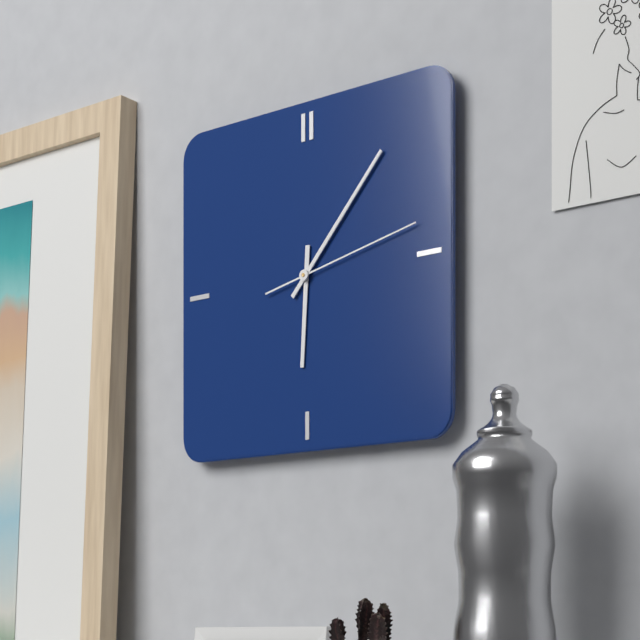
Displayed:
6.07.13
